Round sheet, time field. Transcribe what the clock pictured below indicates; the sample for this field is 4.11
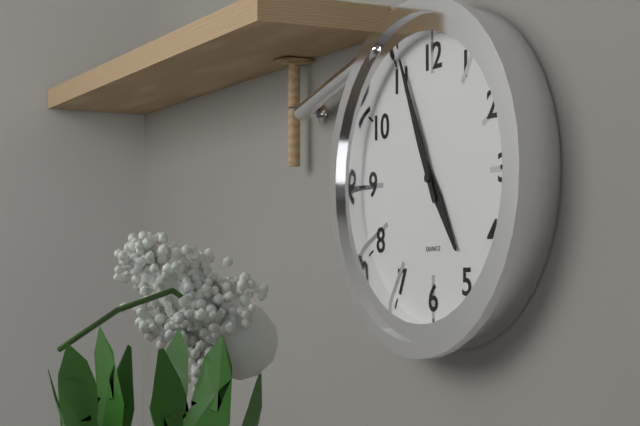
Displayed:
4.56
